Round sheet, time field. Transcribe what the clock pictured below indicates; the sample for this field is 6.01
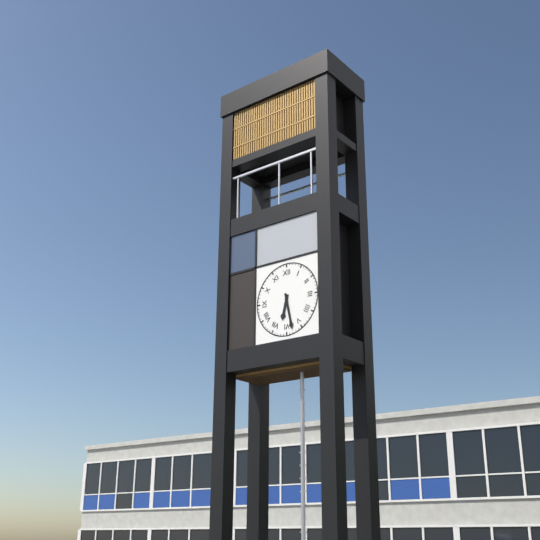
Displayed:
6.28
